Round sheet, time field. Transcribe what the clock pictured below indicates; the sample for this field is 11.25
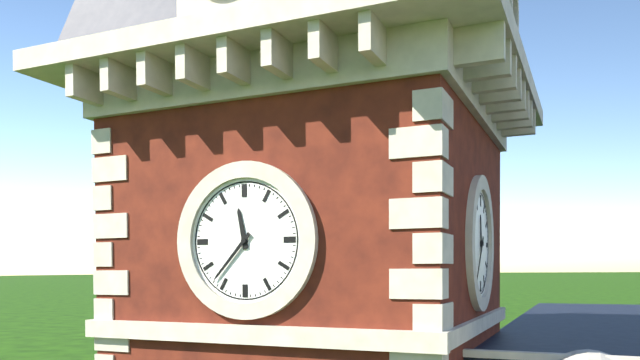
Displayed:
11.37
